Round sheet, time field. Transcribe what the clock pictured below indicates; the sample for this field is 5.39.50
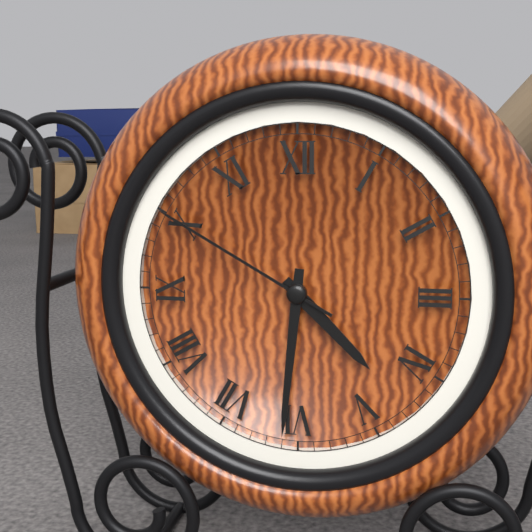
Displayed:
4.31.50
